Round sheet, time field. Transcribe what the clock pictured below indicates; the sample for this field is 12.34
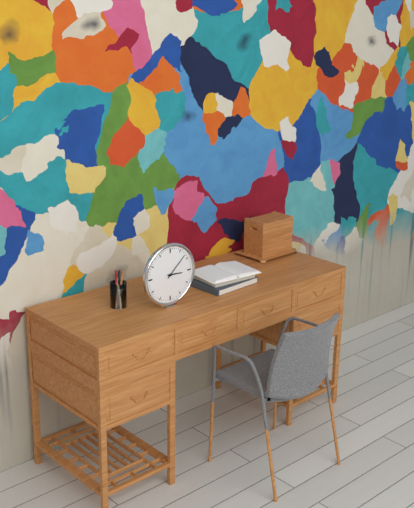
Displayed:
3.08
